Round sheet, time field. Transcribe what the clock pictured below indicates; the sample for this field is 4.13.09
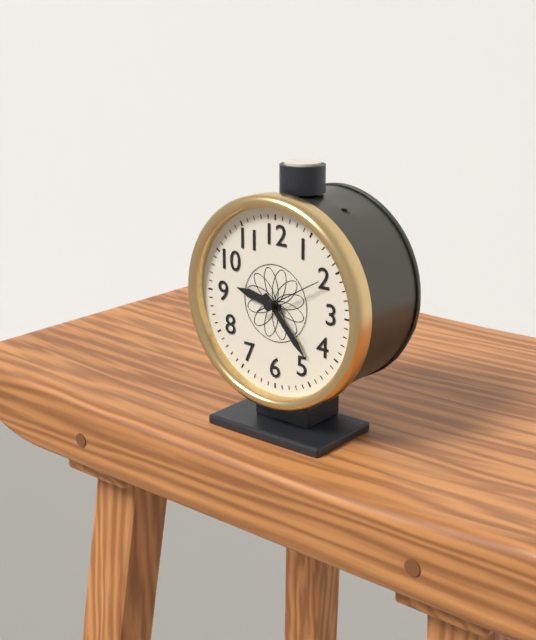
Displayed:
9.23.10
